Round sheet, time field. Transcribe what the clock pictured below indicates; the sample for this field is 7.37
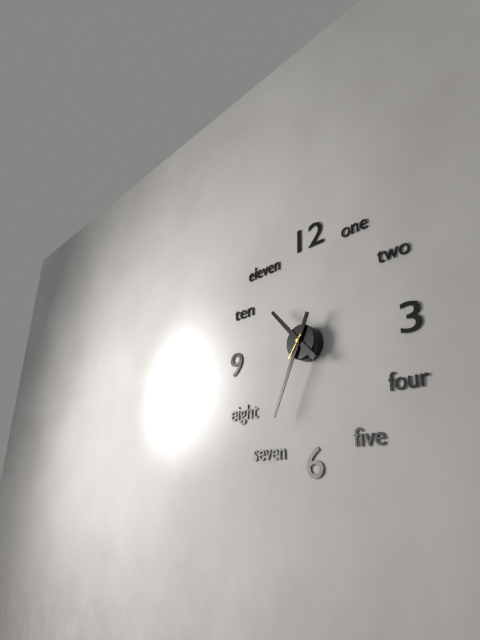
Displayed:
10.34
